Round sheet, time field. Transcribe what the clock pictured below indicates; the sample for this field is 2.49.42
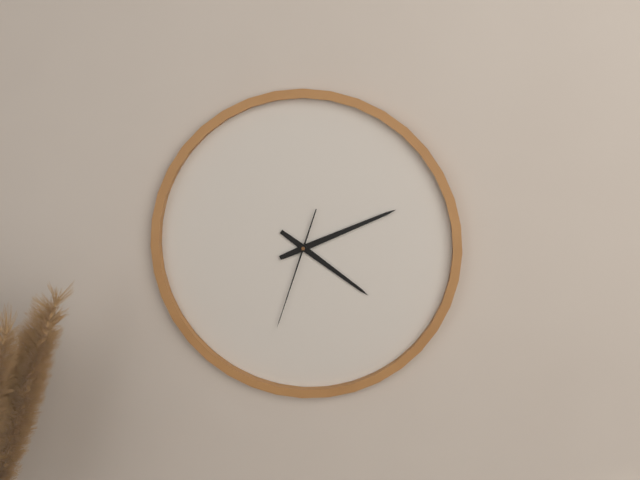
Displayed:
4.11.33
